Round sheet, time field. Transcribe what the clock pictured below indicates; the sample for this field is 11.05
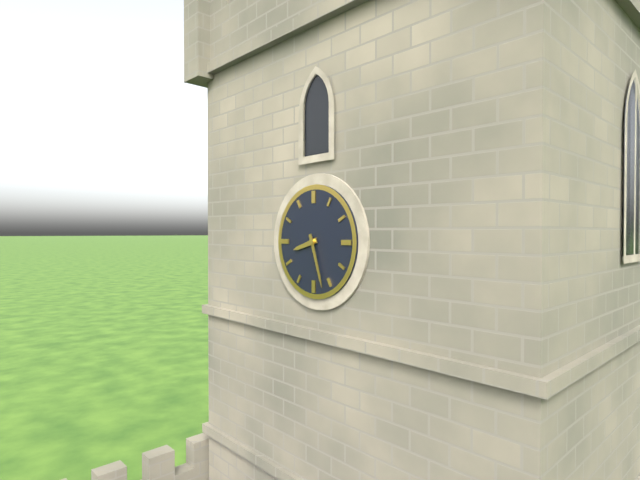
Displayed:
8.27
